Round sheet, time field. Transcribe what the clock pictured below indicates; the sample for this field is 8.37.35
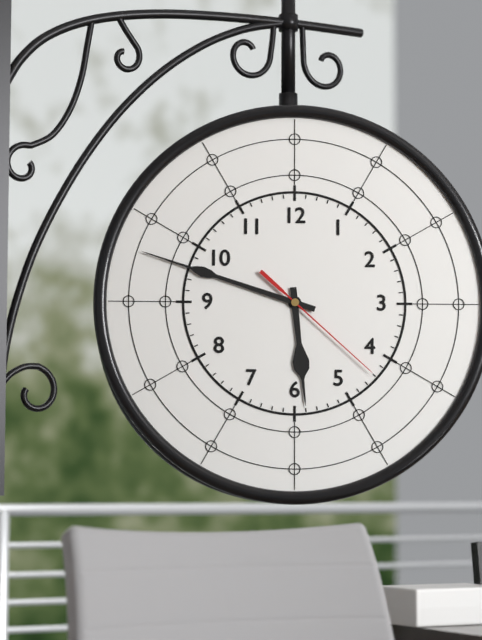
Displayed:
5.48.22
